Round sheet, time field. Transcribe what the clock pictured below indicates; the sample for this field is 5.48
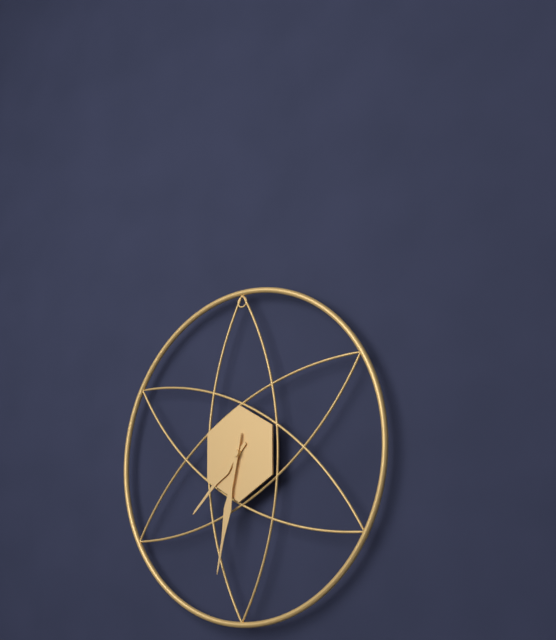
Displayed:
7.32
